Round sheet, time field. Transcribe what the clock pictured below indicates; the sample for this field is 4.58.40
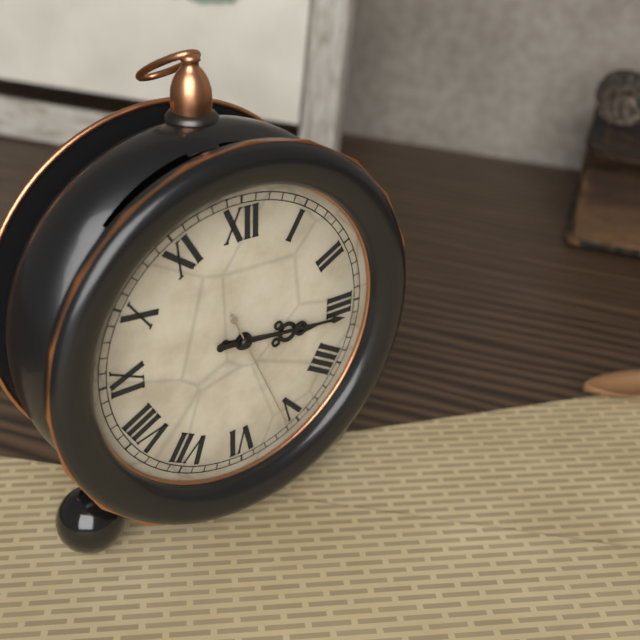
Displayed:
3.16.26
